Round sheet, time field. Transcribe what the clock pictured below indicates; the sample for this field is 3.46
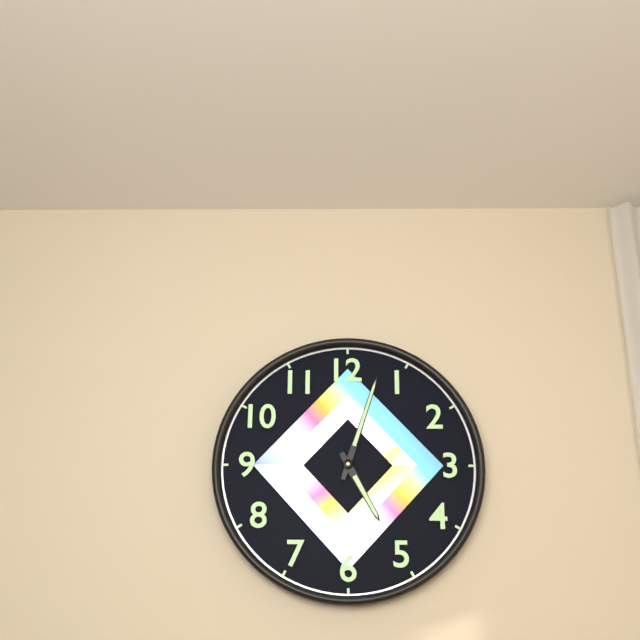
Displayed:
5.03
